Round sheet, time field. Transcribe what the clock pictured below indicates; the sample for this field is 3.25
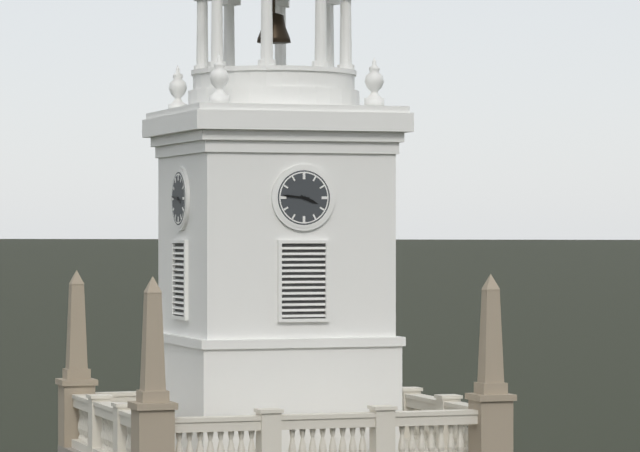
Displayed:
3.46
